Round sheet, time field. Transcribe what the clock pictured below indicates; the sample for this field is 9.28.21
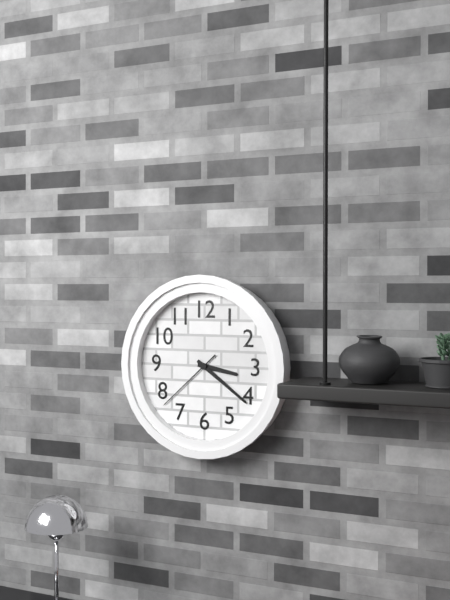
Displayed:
3.21.38
